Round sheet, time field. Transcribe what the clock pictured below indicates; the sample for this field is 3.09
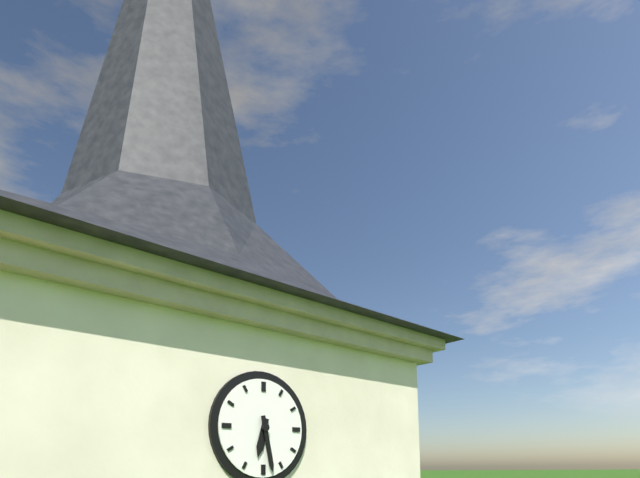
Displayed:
6.28
